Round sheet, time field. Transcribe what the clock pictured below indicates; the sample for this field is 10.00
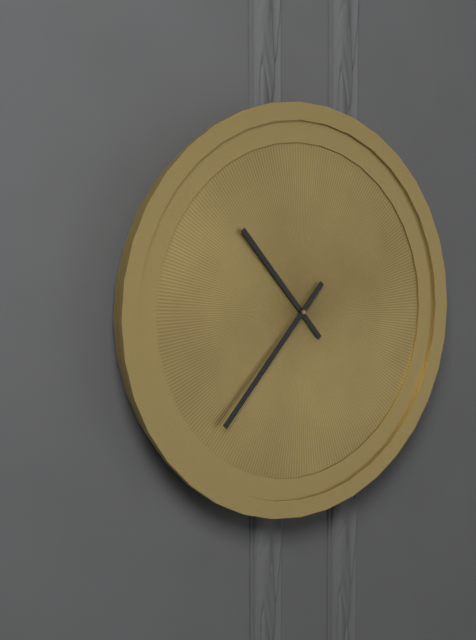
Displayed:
10.37
